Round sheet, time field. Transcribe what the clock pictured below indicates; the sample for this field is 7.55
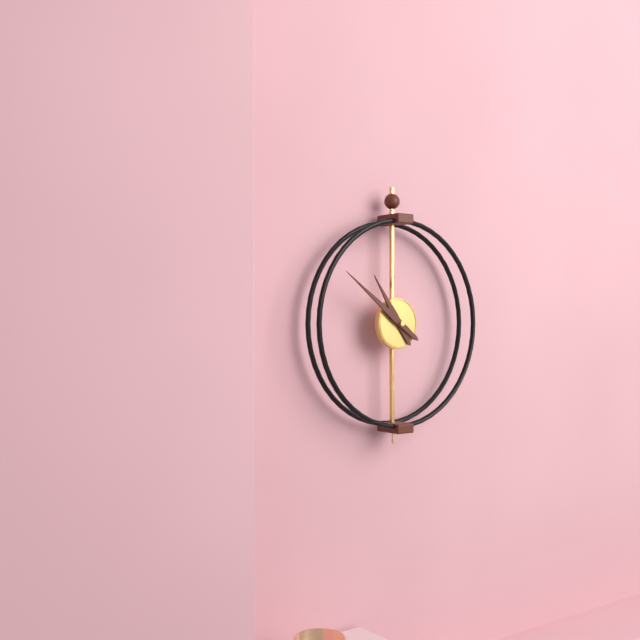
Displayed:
10.51
